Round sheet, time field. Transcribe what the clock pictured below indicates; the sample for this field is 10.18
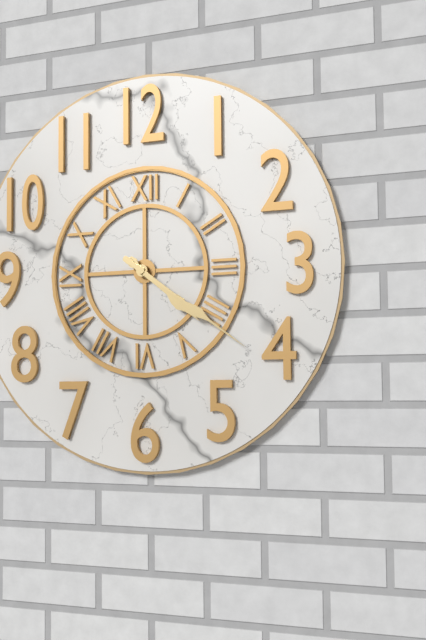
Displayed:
4.21
